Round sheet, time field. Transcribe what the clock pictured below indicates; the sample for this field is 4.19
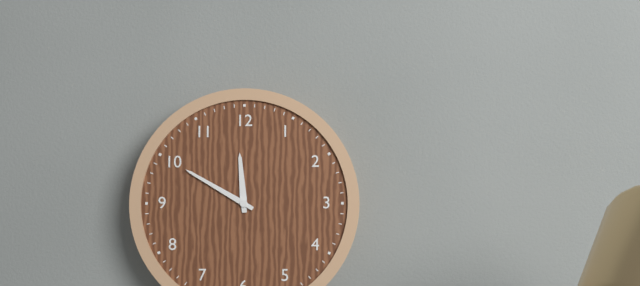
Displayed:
11.50
